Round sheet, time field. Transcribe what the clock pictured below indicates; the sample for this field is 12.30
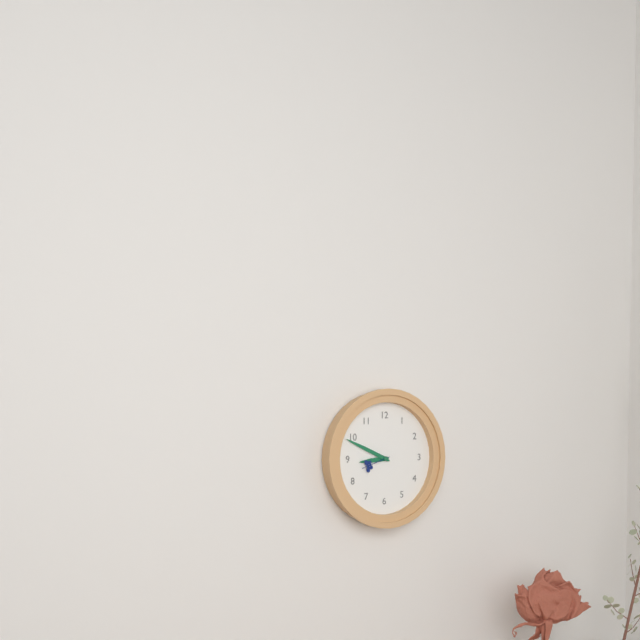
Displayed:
8.49
